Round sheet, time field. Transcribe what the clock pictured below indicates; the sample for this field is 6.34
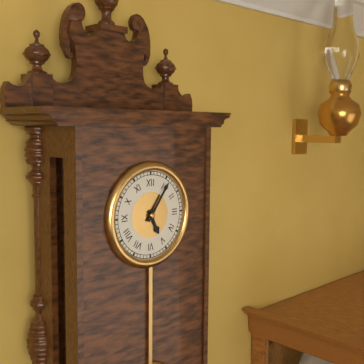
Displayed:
5.06
